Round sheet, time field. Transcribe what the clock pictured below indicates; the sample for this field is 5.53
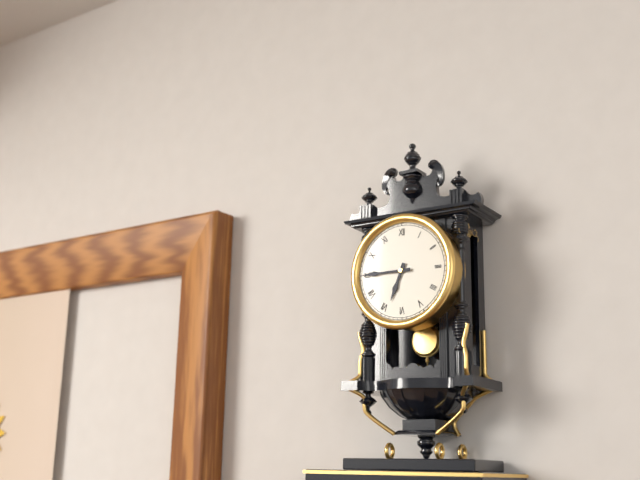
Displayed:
6.45
